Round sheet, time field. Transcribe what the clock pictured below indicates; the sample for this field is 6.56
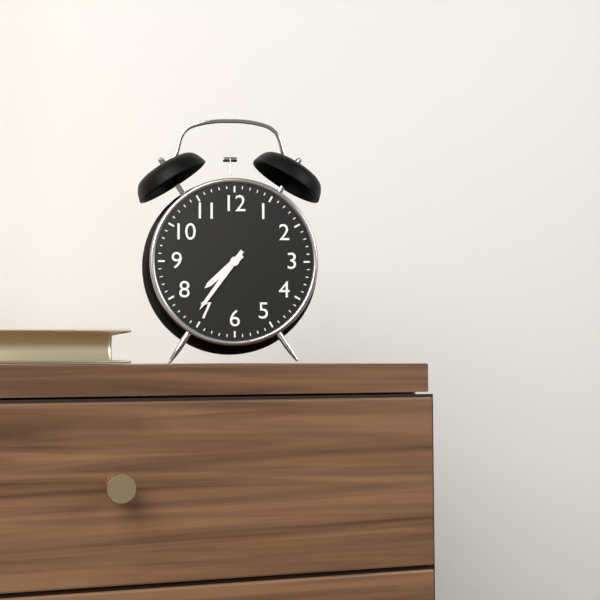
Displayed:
7.36
